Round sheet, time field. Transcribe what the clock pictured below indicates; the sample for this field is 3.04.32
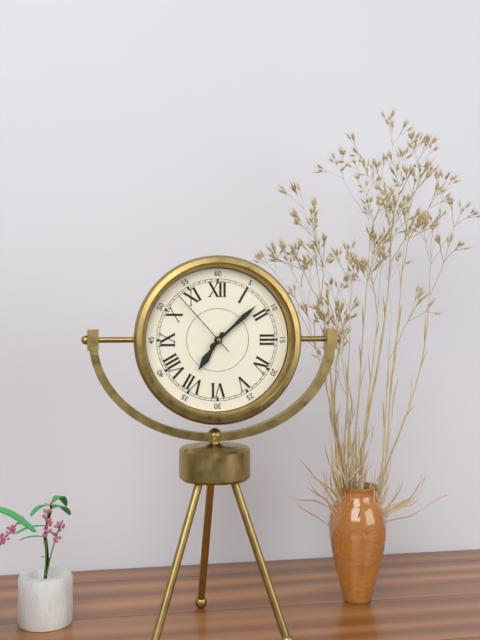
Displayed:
7.08.53
